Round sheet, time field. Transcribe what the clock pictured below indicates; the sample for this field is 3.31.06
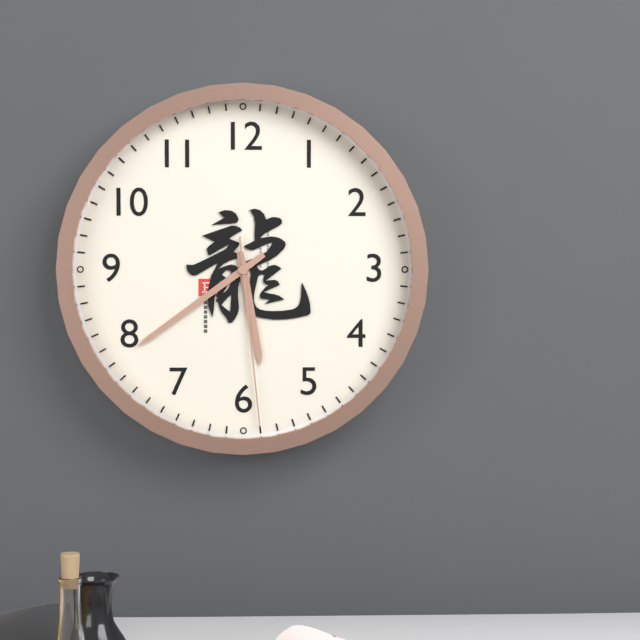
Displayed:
5.39.29
